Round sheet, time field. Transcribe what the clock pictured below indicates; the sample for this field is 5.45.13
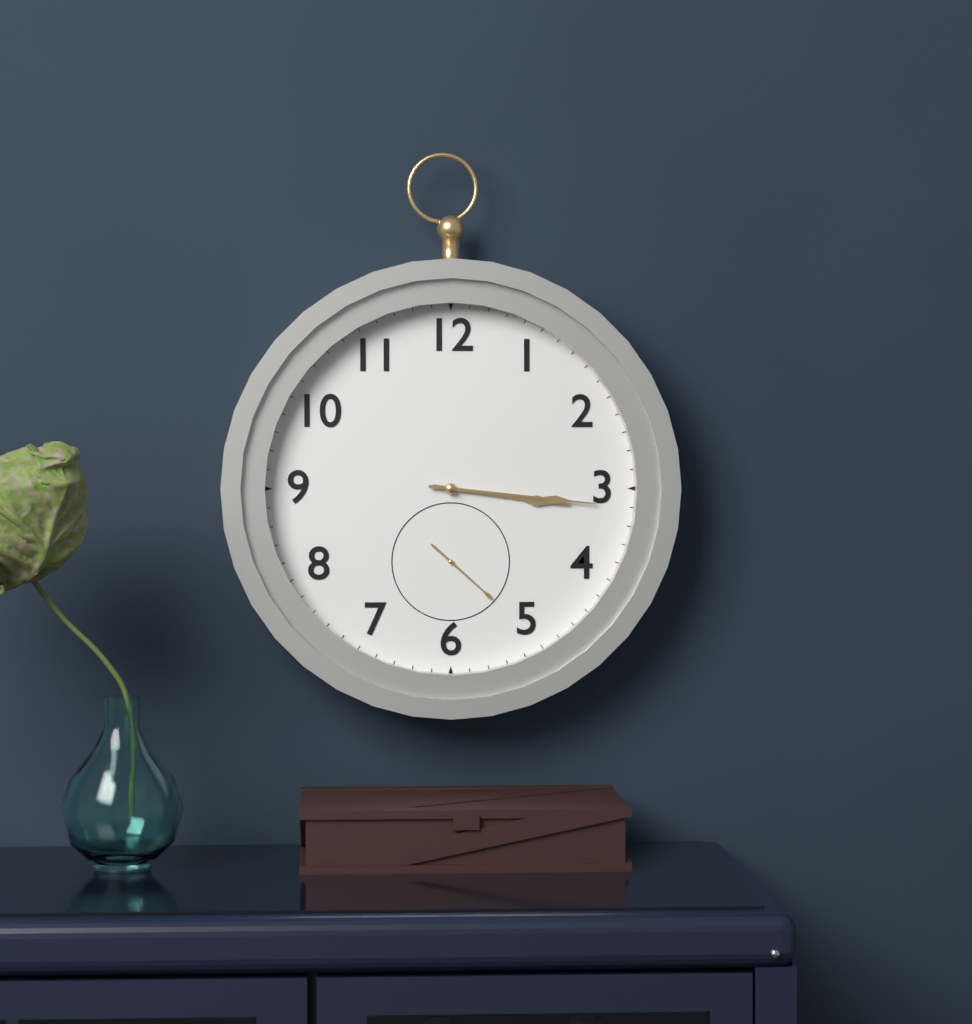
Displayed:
3.16.22
